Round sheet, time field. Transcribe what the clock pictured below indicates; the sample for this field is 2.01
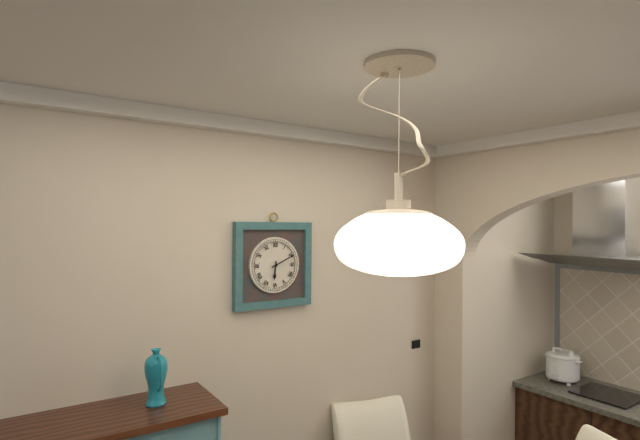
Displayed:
6.11
